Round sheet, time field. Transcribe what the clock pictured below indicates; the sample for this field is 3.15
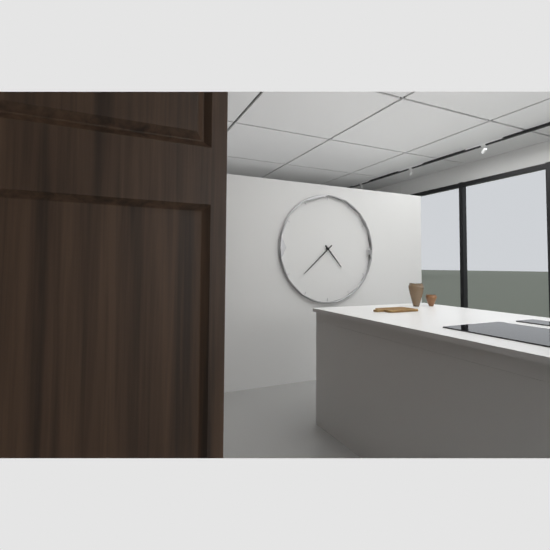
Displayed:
4.38
